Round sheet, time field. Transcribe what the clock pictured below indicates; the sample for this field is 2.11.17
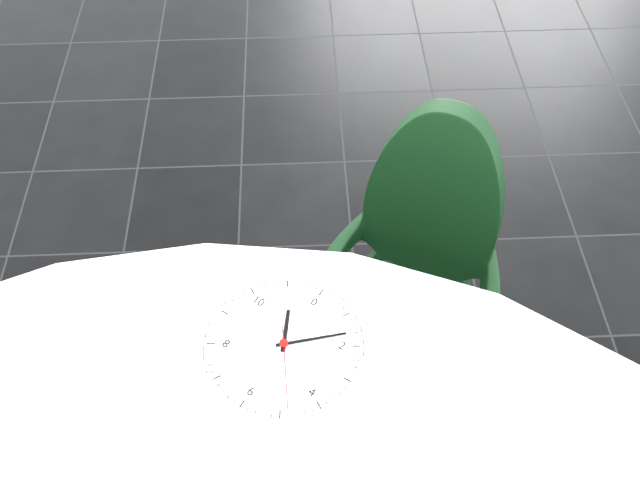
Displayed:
11.08.24
